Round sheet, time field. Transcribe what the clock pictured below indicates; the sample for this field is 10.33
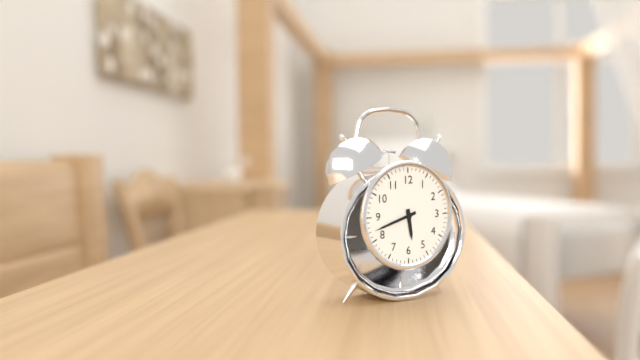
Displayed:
5.42
